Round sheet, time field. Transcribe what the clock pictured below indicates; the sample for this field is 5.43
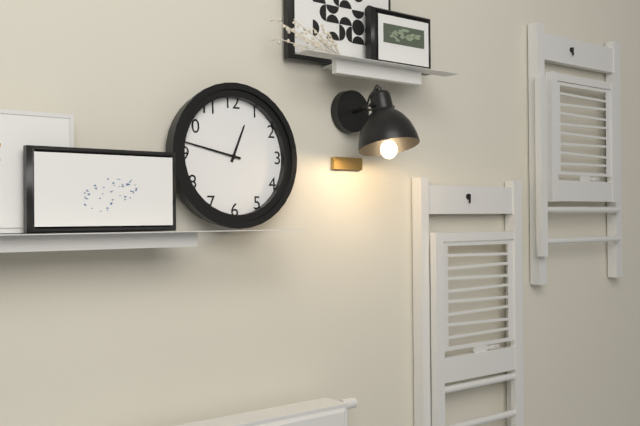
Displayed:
12.47
